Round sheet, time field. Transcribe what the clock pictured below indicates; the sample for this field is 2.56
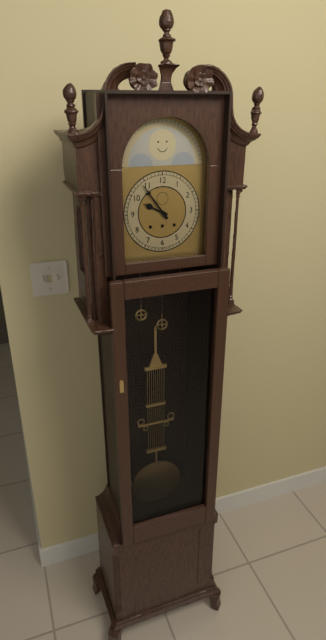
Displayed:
9.54
